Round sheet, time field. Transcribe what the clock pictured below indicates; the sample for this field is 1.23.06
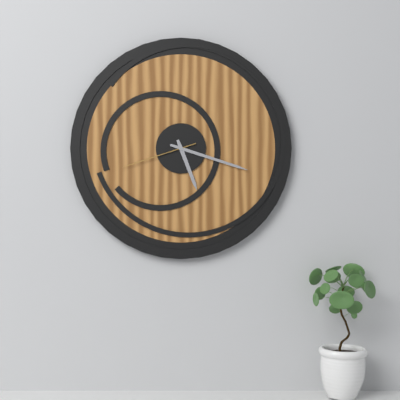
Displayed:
5.18.42
